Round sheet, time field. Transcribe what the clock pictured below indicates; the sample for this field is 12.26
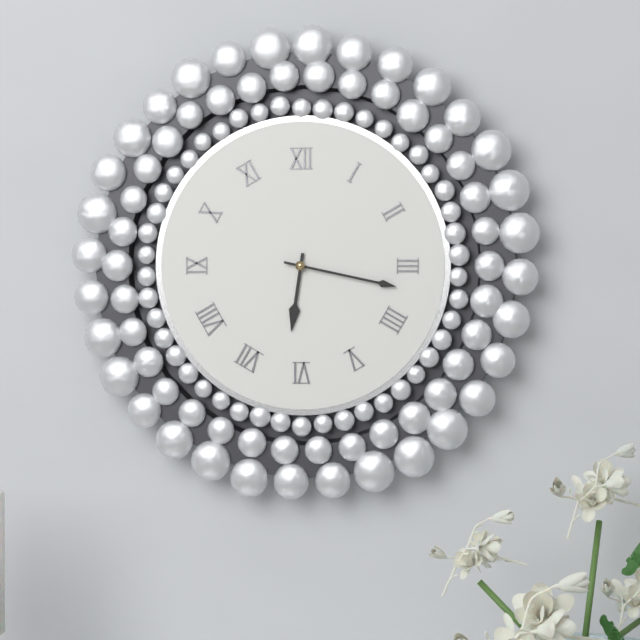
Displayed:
6.17
